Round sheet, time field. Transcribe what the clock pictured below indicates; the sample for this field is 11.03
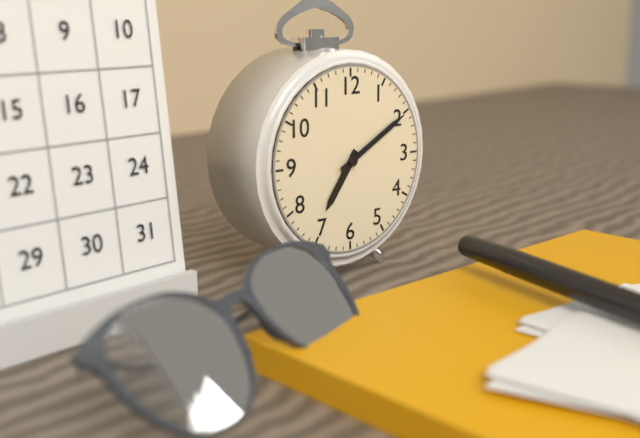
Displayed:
7.10
